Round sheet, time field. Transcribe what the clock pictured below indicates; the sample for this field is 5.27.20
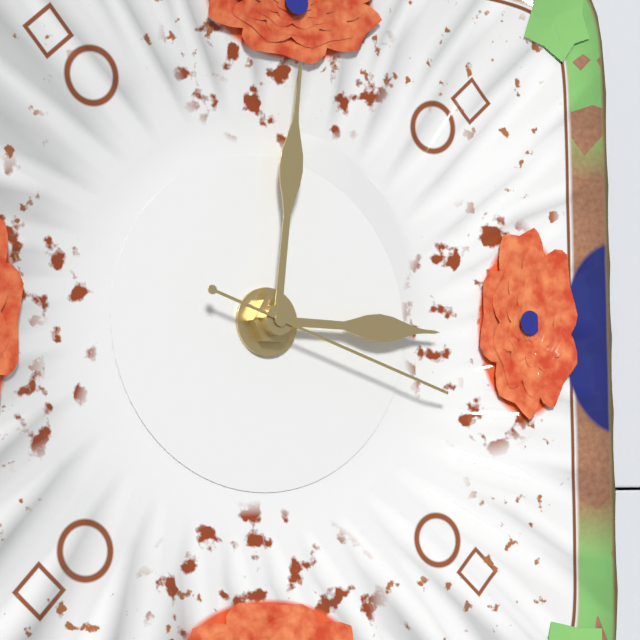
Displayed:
3.01.18
